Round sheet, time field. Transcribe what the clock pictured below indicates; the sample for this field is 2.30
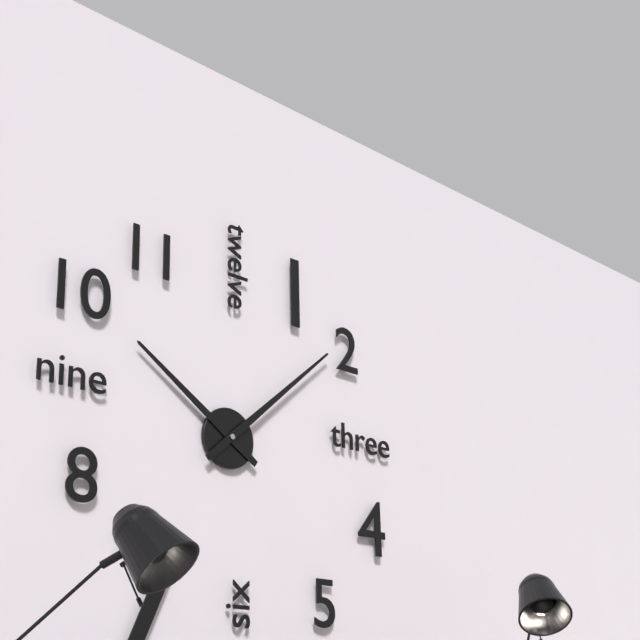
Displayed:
10.08
